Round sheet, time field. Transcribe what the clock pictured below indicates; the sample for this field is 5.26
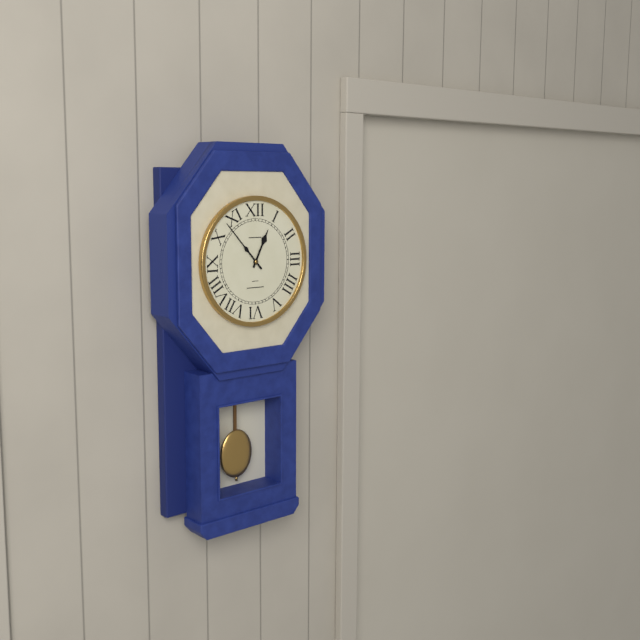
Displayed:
12.53
